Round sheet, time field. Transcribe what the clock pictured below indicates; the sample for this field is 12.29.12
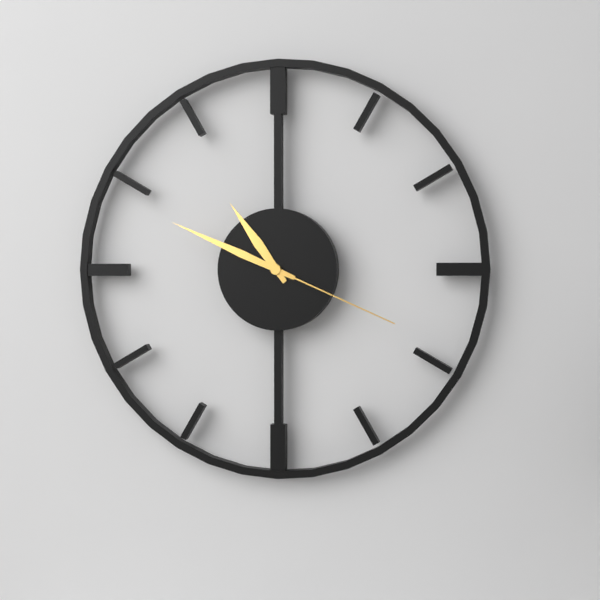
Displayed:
10.49.19
